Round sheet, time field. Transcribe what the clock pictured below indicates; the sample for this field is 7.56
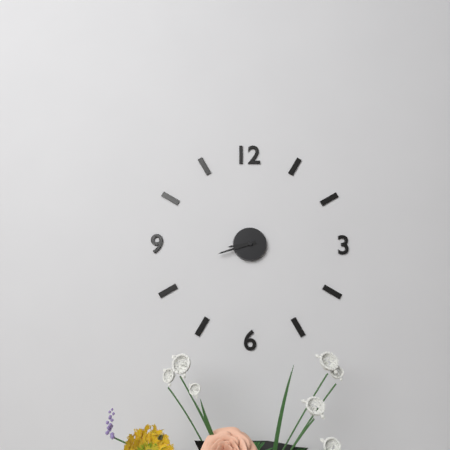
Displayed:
8.42
